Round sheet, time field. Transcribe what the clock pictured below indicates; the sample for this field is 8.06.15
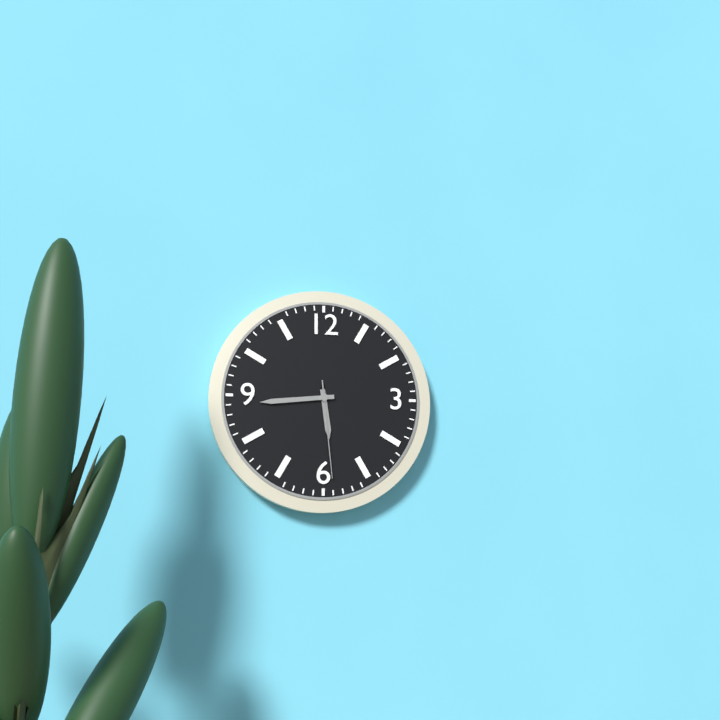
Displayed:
5.44.29
